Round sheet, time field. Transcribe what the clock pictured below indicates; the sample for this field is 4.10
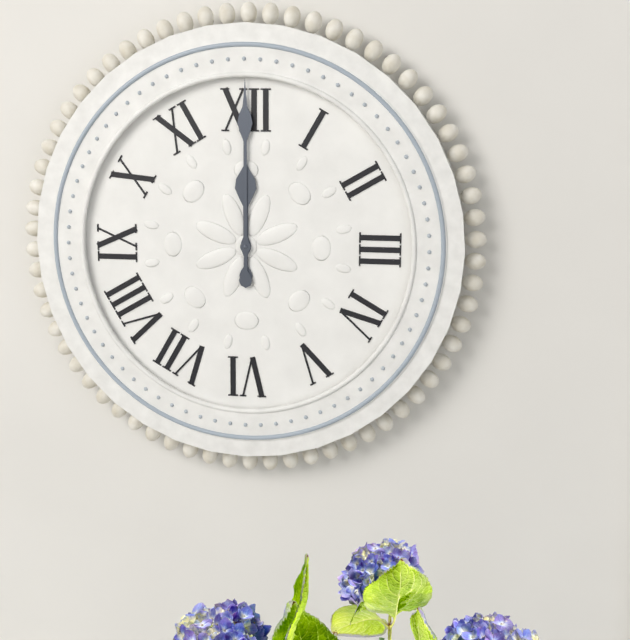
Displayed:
12.00
